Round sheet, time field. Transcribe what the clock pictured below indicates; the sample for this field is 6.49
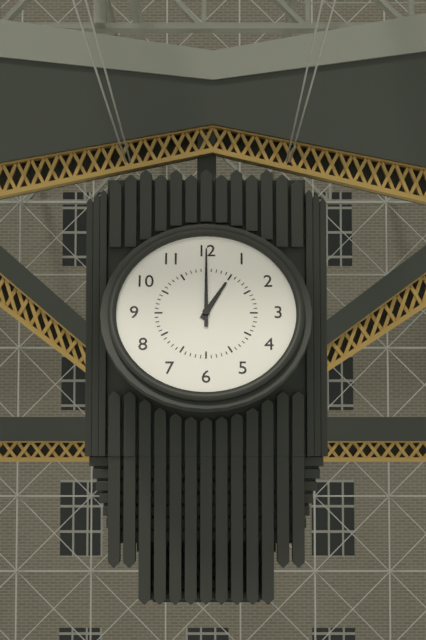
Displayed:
1.00
